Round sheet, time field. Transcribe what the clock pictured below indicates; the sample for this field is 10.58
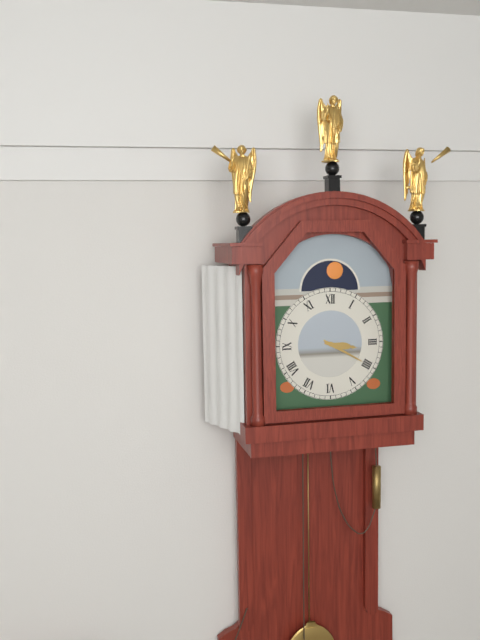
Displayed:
3.20
